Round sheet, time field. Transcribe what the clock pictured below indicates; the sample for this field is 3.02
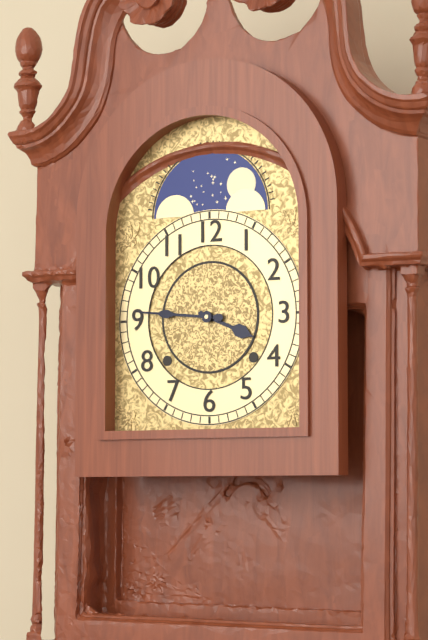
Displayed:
3.46
